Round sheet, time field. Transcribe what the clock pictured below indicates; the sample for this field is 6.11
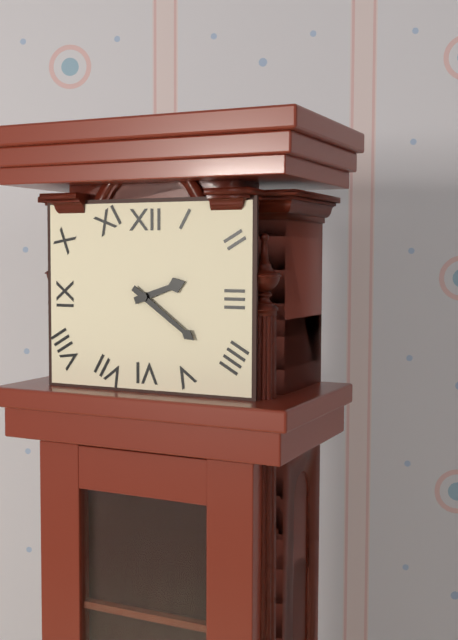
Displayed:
2.21
